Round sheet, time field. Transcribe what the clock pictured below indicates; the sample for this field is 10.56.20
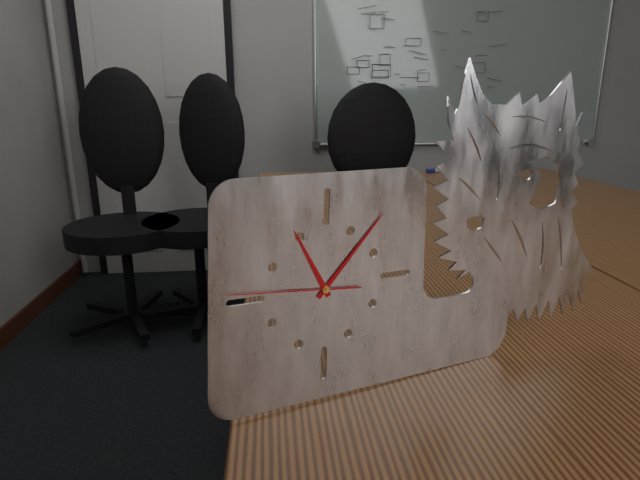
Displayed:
11.07.46
